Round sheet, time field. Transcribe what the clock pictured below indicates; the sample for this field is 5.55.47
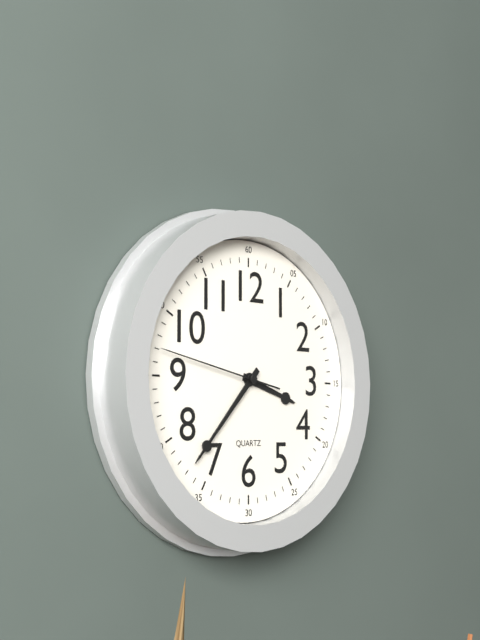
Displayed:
3.37.47
